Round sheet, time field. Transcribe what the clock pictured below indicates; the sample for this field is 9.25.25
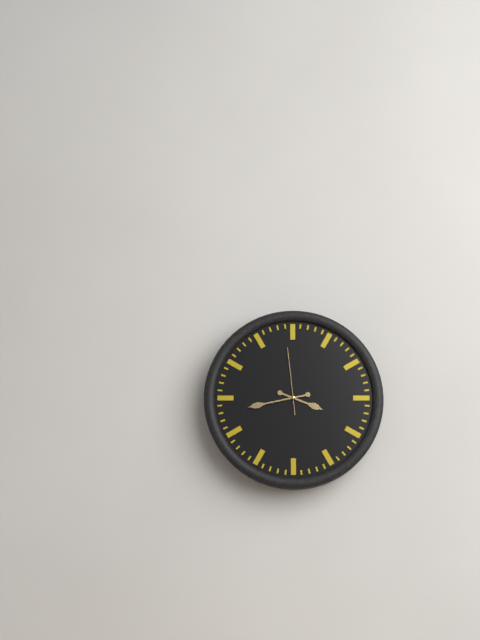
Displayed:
3.43.59
